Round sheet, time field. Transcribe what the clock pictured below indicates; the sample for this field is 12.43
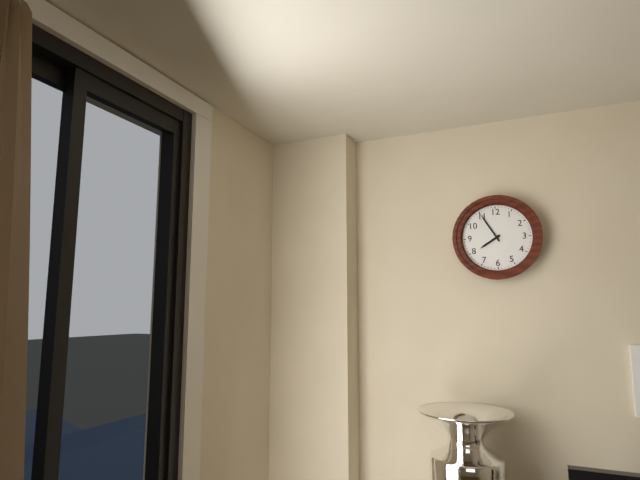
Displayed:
7.55
